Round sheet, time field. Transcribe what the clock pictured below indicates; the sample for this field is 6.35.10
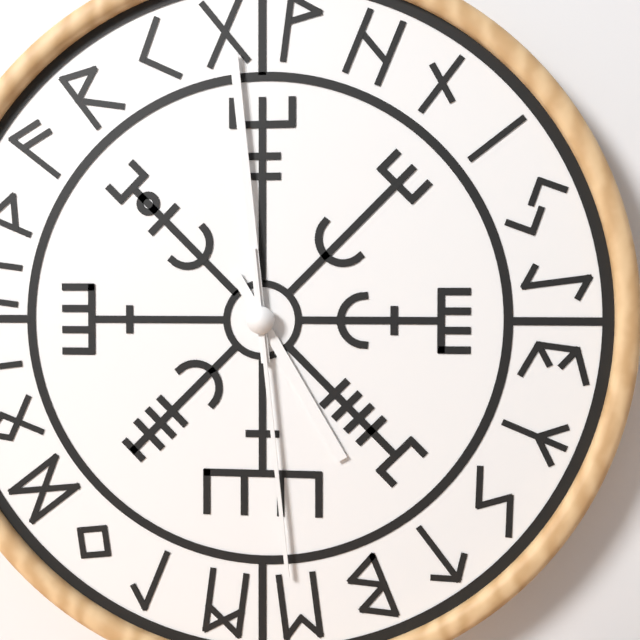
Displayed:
4.59.29
